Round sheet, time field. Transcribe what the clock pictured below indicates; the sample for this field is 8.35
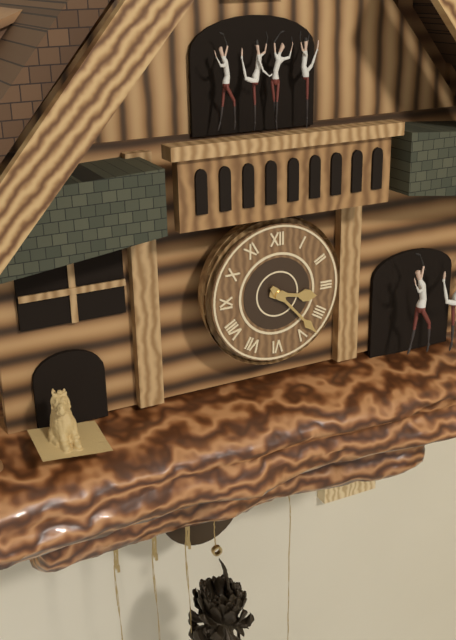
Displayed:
3.23
